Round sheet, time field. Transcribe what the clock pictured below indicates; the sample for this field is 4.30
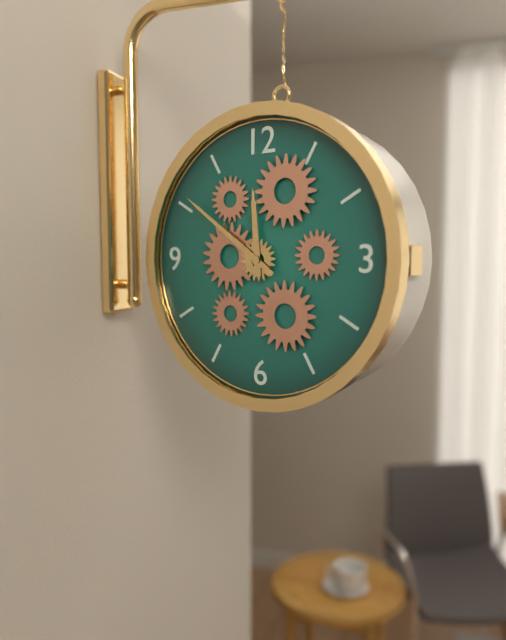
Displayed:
11.51
